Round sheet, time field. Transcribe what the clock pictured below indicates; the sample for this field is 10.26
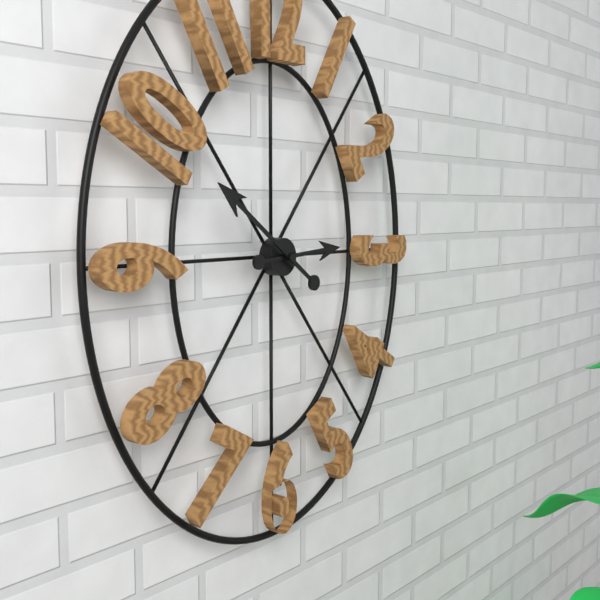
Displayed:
2.51
